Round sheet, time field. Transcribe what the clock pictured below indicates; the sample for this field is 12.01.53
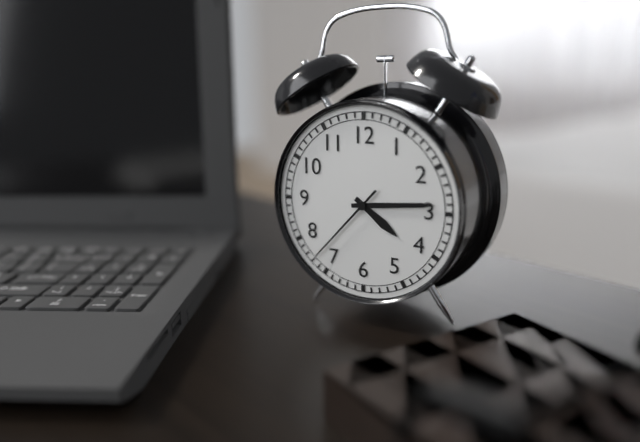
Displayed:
4.14.37
